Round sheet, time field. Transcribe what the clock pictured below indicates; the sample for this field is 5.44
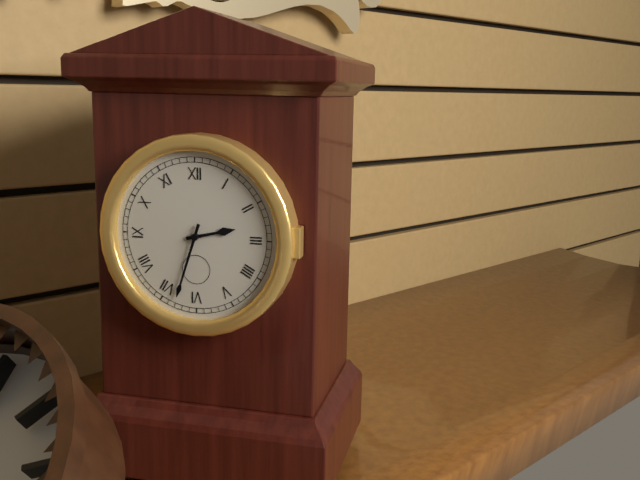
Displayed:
2.33
